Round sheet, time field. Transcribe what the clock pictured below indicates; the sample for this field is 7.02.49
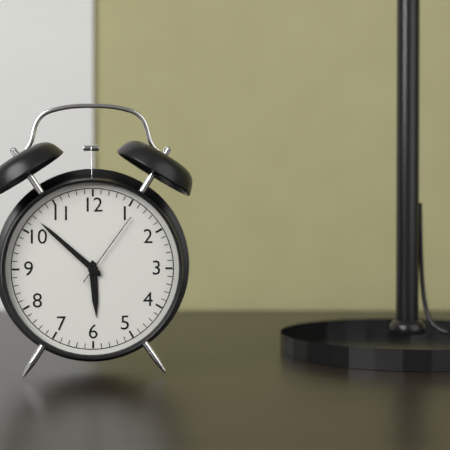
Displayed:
5.52.06
